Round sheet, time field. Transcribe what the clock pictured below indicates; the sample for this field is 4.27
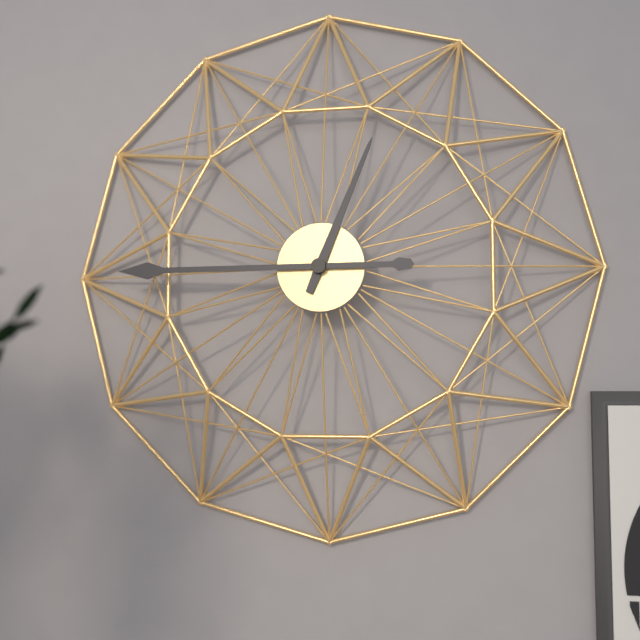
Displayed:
12.45
